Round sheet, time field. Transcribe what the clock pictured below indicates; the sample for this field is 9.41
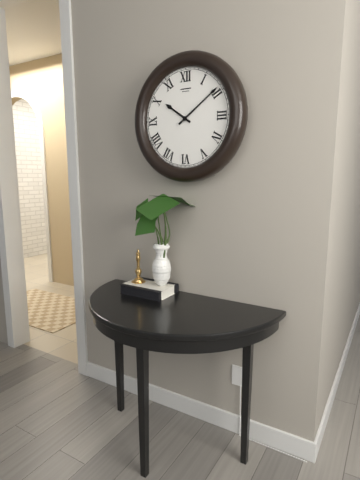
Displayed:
10.09
